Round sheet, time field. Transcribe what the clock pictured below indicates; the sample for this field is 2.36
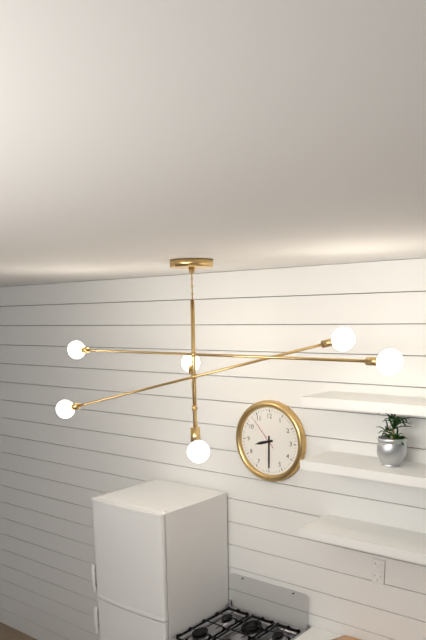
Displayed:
8.30
